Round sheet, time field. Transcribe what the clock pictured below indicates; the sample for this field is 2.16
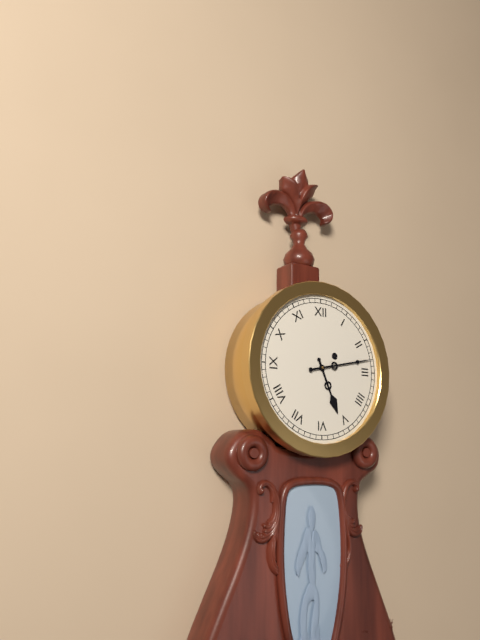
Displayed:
5.13
